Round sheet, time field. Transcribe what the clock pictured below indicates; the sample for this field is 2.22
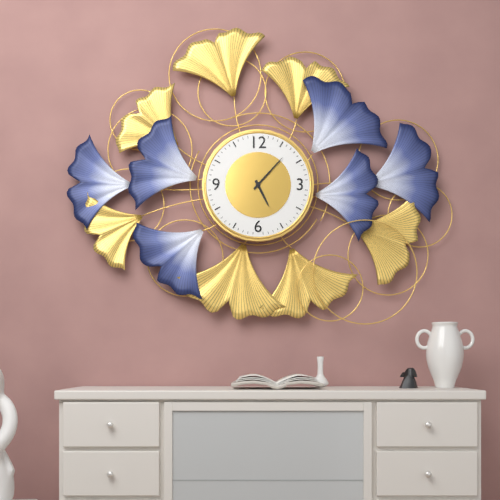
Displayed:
5.07
